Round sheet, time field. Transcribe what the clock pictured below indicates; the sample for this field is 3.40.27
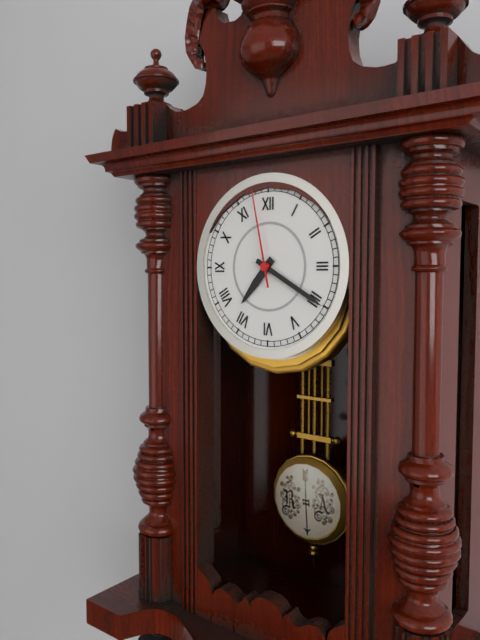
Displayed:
7.20.58
